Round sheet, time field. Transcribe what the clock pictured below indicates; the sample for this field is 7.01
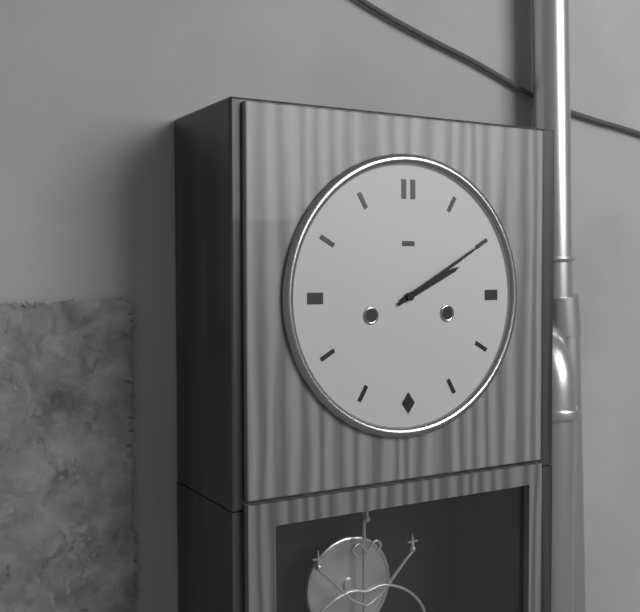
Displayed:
2.10
